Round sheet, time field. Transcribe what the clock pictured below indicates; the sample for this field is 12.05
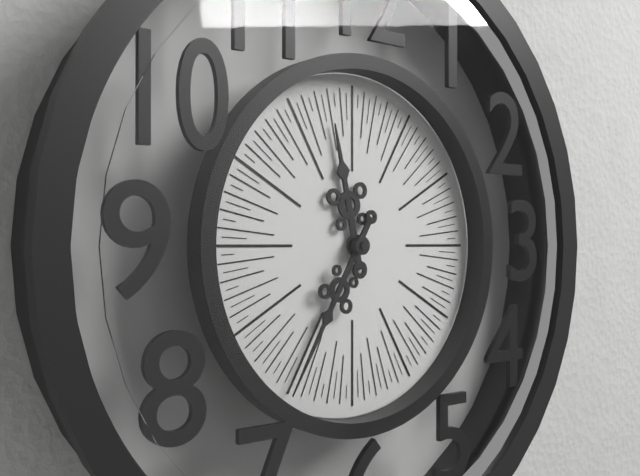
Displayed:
11.35
